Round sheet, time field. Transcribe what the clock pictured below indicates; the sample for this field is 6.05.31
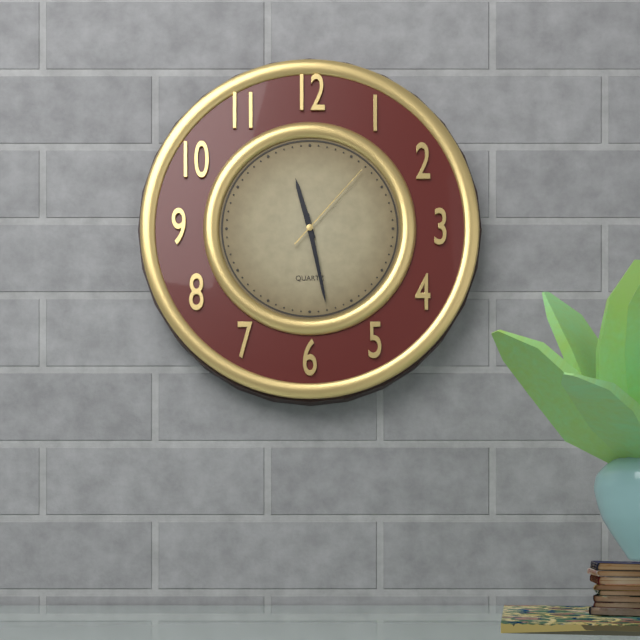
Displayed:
11.28.07
